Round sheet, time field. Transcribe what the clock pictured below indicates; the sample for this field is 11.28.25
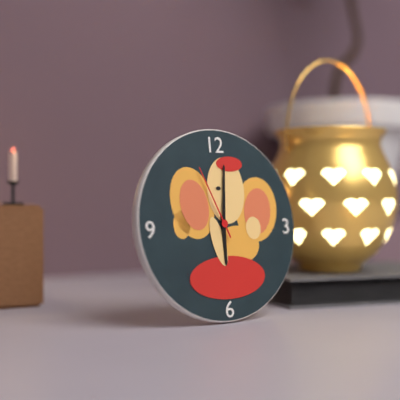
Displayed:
6.01.56
